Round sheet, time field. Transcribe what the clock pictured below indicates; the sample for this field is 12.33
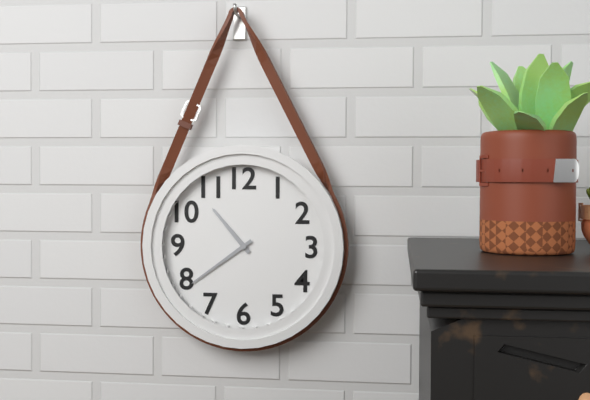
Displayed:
10.39
